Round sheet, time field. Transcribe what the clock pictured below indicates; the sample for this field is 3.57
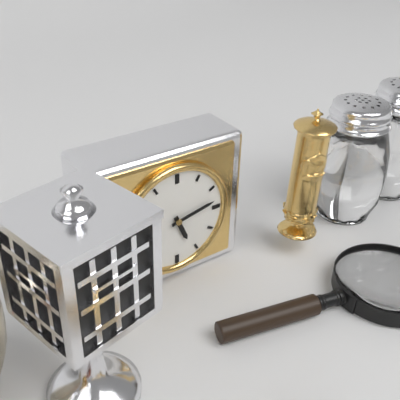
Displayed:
5.13
